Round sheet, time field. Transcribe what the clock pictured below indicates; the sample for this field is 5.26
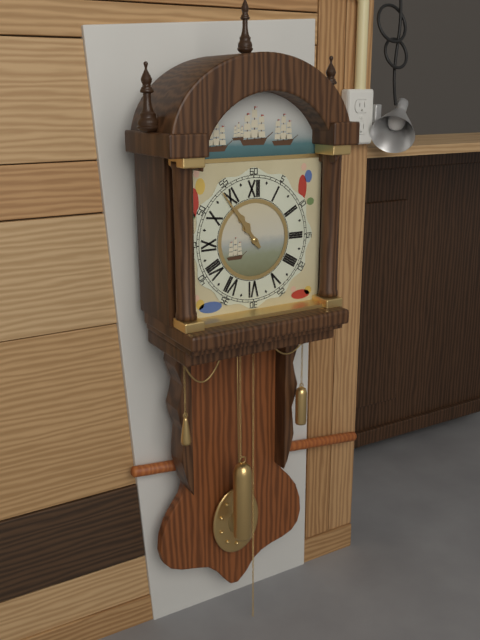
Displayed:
10.54
